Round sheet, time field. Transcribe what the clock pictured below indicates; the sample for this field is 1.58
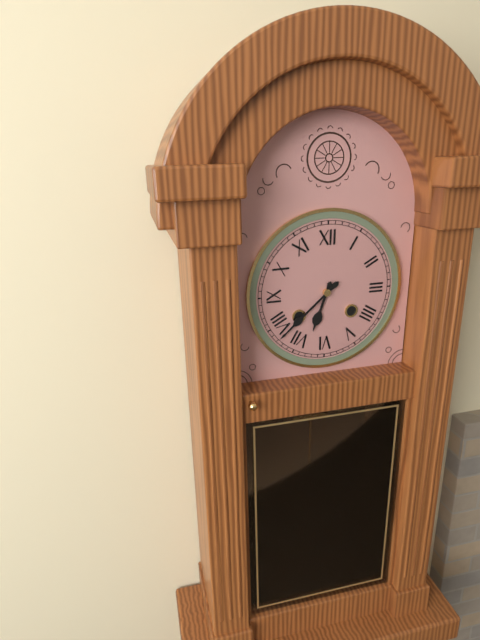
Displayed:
6.38
